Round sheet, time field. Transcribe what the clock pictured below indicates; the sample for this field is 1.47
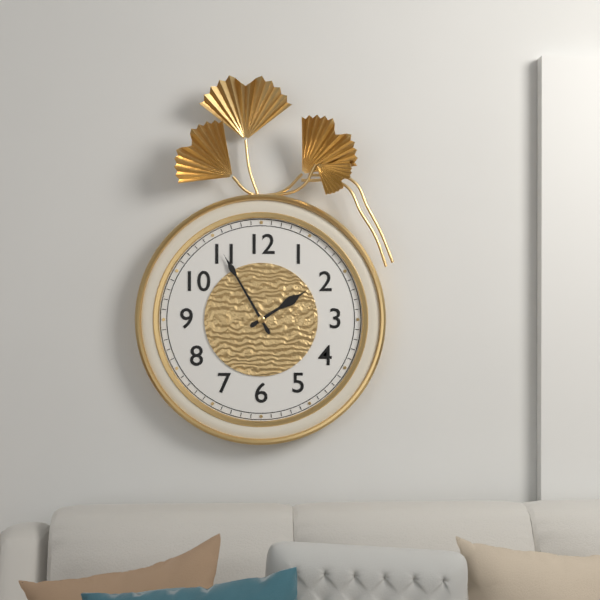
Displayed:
1.55
